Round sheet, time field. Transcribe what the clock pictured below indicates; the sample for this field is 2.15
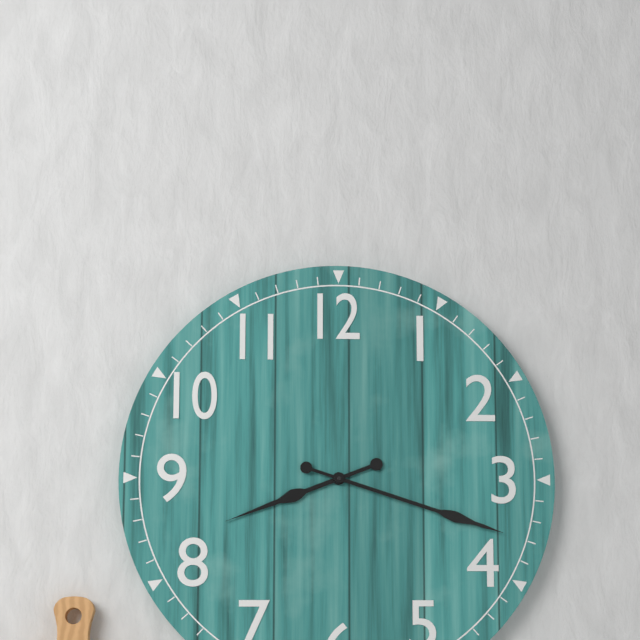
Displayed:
8.18
